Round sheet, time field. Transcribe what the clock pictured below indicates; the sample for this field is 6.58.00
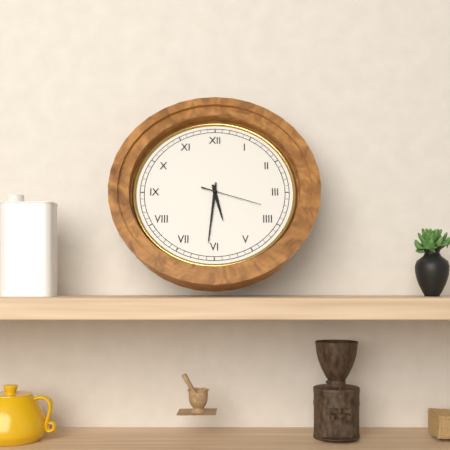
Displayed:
5.31.18
